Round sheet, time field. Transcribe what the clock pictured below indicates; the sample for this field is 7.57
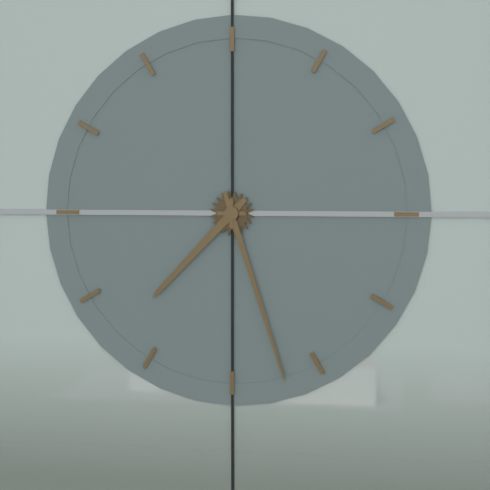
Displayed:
7.27
